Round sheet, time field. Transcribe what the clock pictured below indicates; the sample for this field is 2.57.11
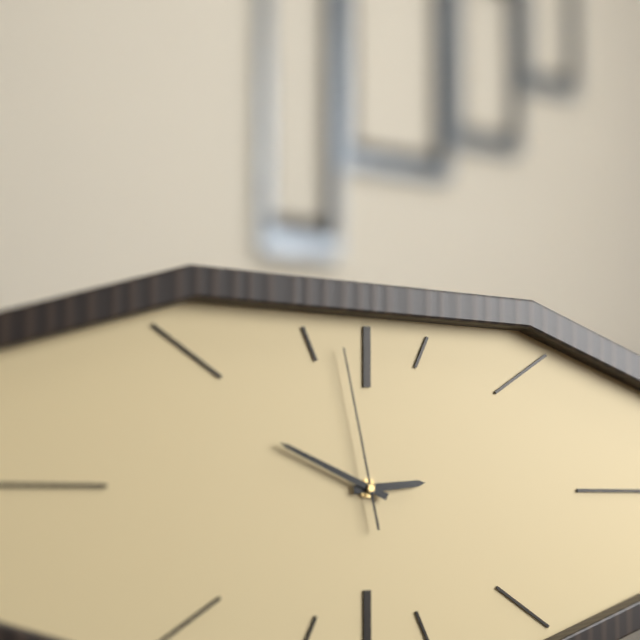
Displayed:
2.49.58
